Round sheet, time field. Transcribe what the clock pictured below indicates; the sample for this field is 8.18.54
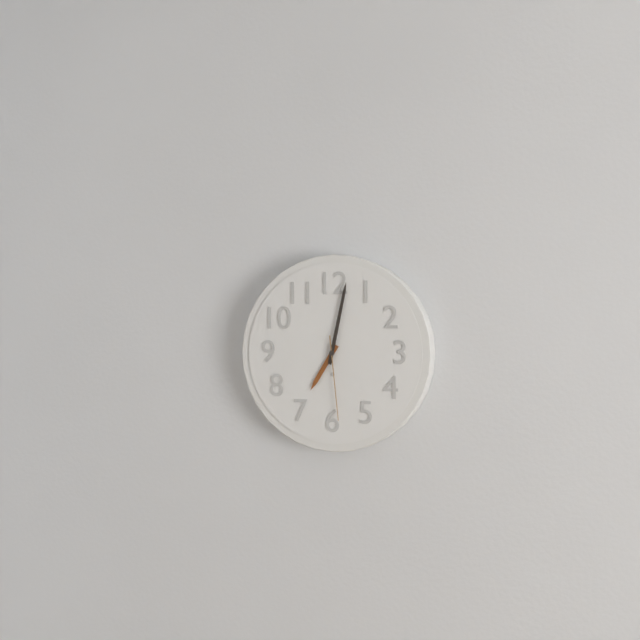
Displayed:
7.02.29
